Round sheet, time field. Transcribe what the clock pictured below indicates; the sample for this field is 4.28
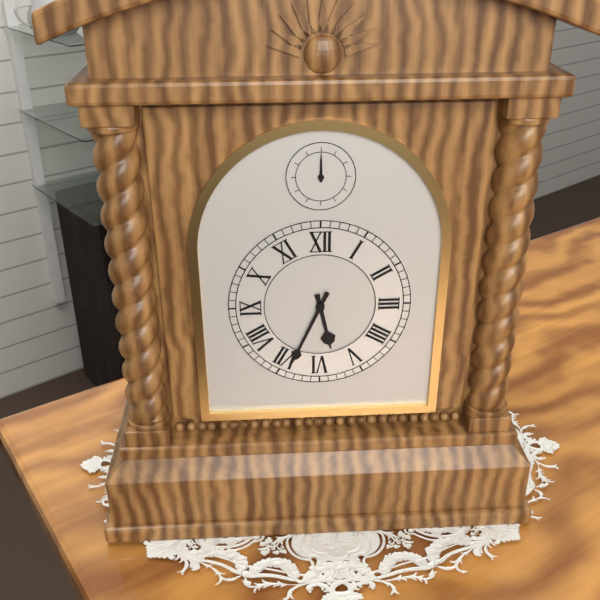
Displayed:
5.34
